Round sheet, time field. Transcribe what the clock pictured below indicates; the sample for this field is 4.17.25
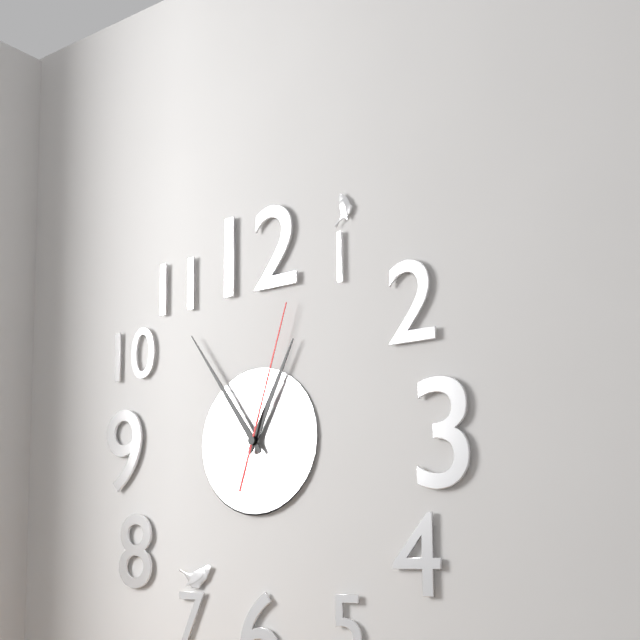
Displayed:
12.54.03
